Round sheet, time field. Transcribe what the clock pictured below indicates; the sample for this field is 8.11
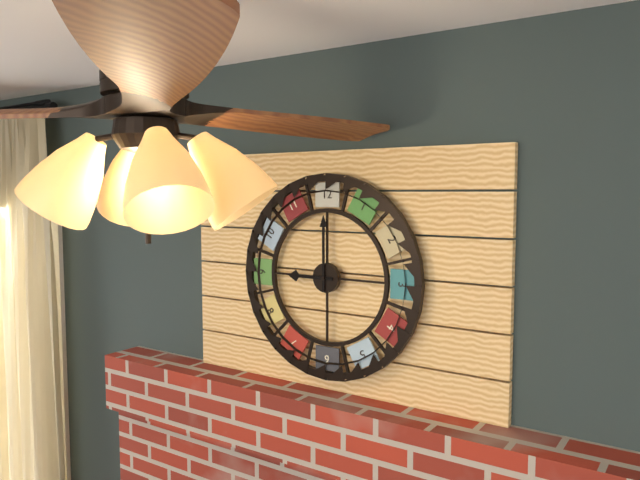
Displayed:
9.00
